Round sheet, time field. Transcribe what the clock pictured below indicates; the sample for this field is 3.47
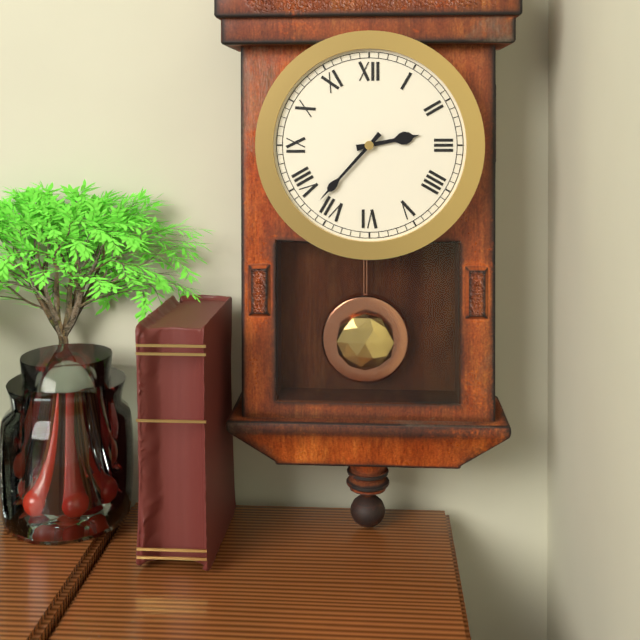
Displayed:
2.37
